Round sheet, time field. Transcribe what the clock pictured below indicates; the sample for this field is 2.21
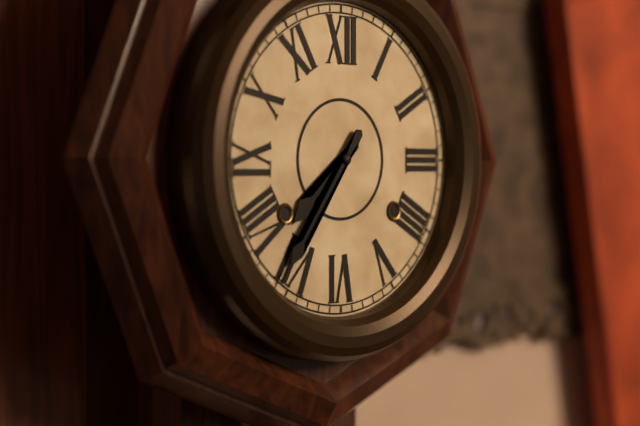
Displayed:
7.36
